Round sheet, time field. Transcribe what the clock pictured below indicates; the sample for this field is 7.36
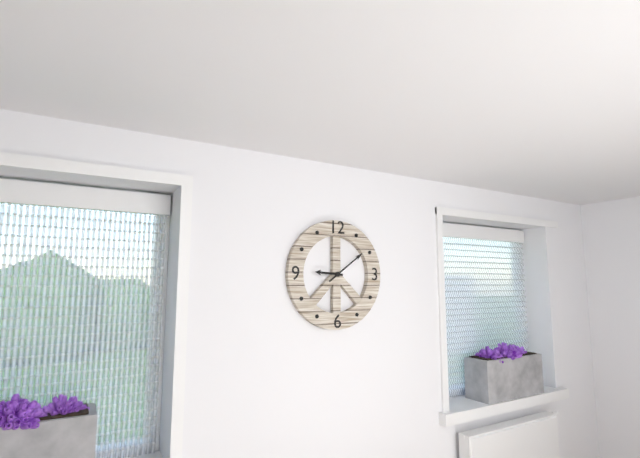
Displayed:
9.09
